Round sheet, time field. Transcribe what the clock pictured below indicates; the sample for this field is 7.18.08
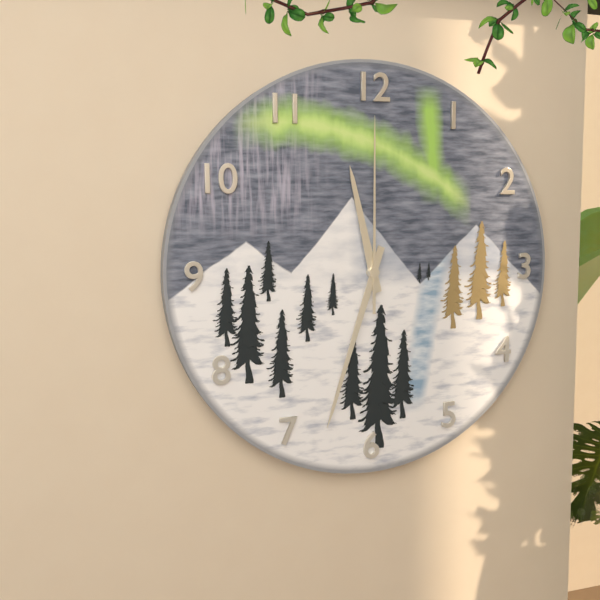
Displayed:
11.33.00
